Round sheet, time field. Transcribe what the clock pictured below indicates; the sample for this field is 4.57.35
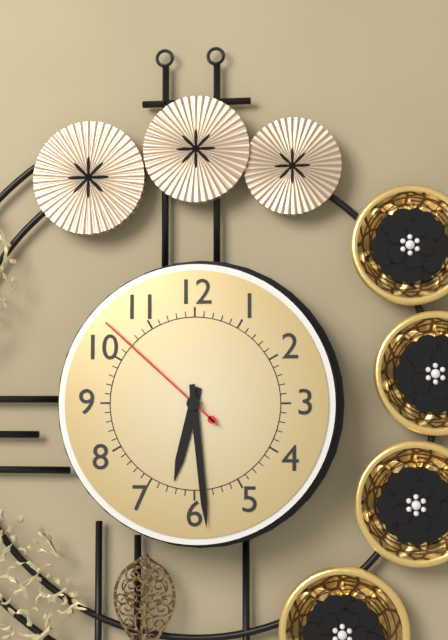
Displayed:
6.29.52
